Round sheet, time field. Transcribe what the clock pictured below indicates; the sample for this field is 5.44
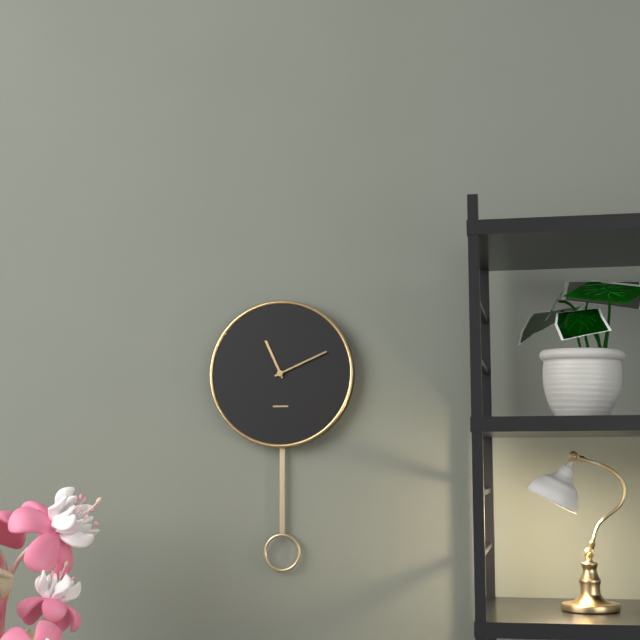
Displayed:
11.11
